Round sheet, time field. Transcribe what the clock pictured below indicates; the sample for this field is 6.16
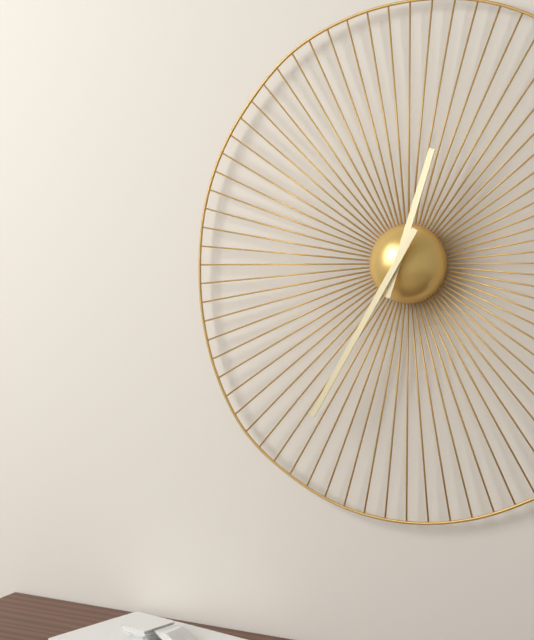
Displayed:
12.35
